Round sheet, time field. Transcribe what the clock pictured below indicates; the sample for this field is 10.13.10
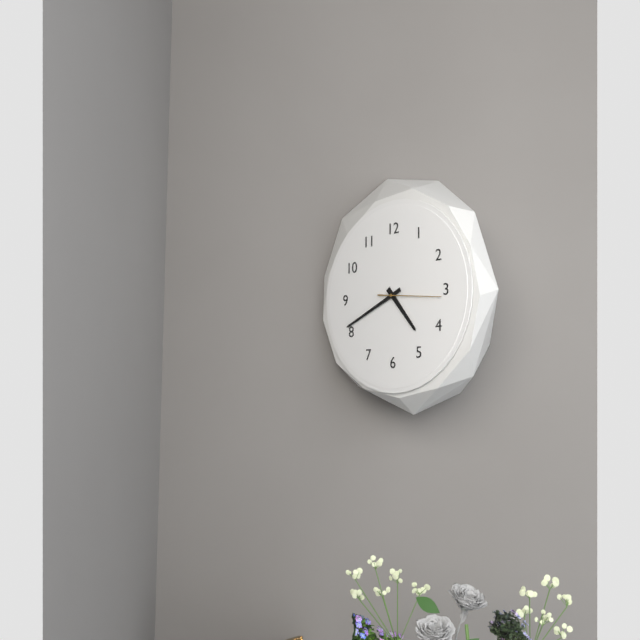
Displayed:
4.41.16
